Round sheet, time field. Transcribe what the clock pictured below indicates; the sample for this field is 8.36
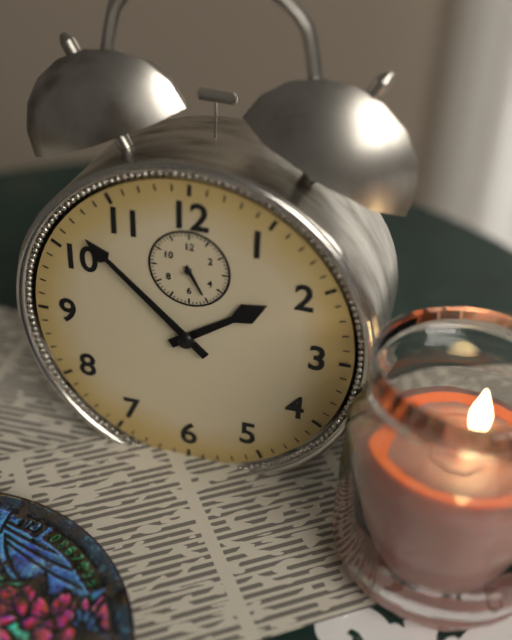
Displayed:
1.52
